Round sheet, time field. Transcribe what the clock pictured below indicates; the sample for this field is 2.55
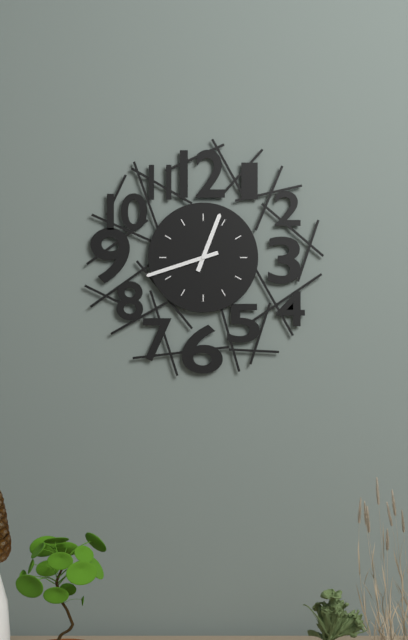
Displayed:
12.42
